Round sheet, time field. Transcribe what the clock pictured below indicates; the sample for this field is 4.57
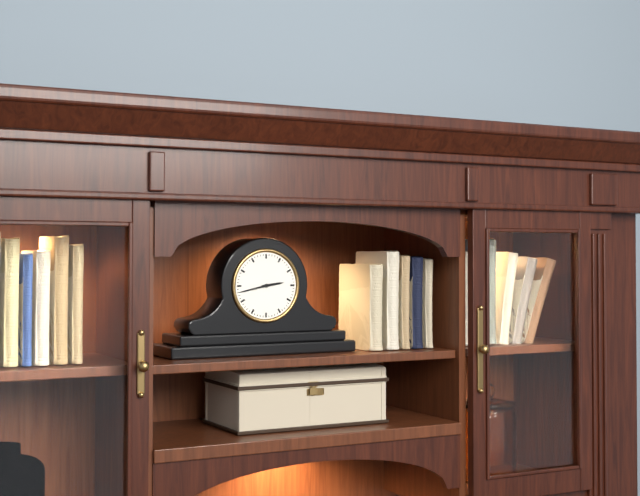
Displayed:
2.43
